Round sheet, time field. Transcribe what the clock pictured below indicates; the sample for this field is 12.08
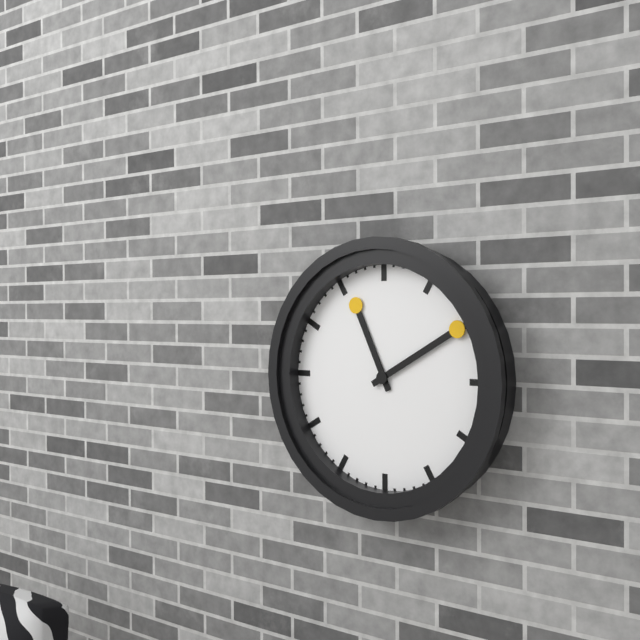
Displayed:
11.10
